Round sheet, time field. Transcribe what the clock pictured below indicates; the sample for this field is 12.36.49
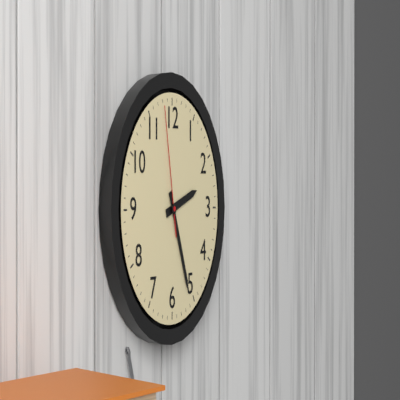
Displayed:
2.26.58
